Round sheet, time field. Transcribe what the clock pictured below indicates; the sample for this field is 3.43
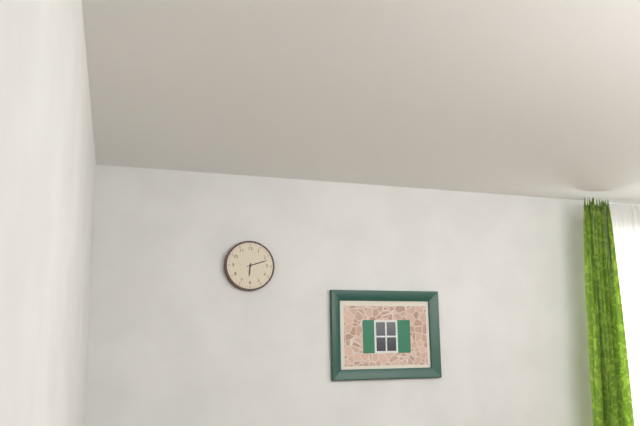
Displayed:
6.12
